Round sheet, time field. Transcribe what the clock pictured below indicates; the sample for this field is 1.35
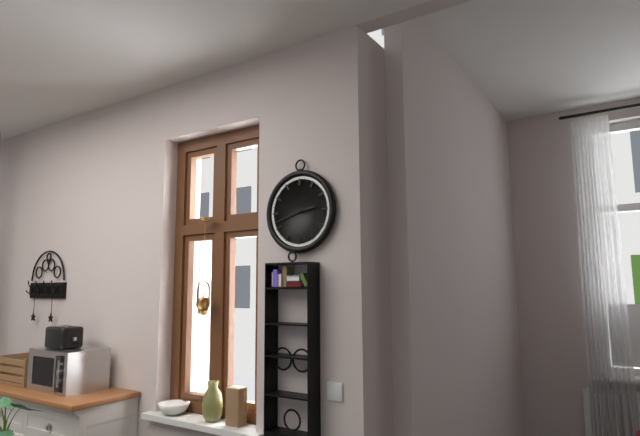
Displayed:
2.42
